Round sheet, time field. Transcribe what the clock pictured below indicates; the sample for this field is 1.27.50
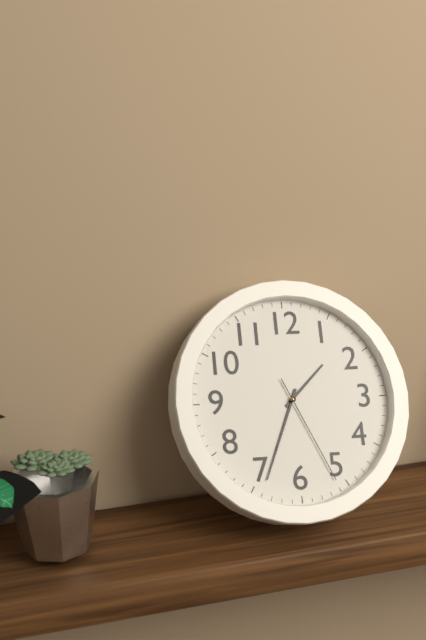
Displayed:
1.34.26
